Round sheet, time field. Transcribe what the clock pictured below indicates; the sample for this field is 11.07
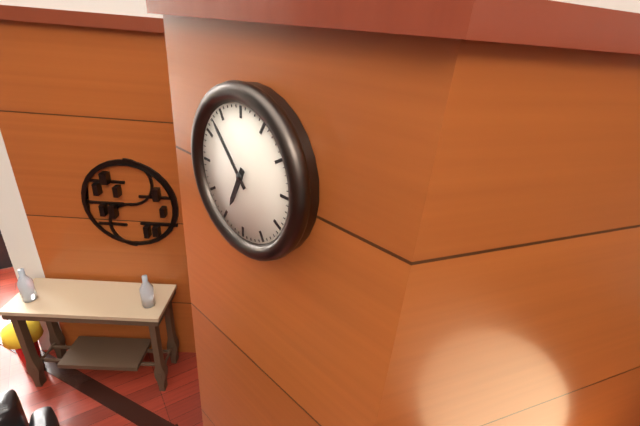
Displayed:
6.53
